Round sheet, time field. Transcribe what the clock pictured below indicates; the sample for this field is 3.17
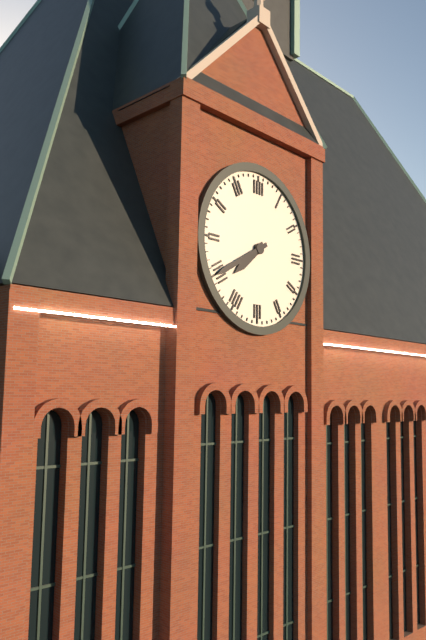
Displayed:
7.40
